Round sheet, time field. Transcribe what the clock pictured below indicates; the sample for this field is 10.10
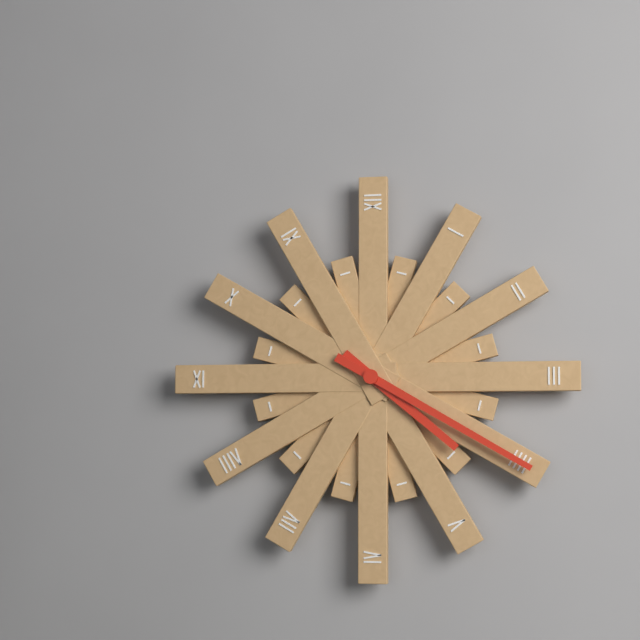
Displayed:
4.20
